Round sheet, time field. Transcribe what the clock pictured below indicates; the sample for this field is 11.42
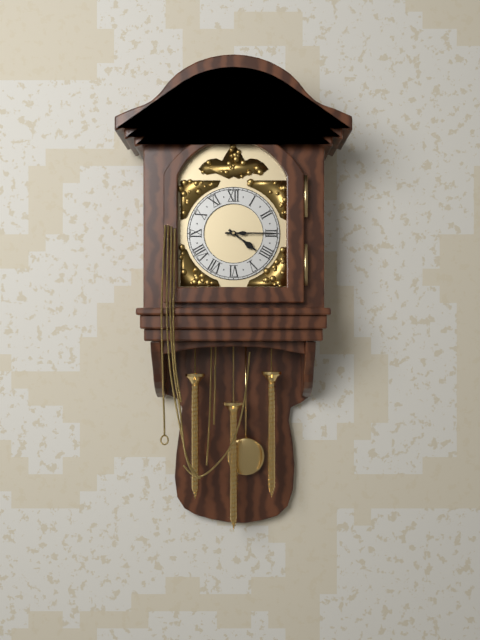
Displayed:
4.15
